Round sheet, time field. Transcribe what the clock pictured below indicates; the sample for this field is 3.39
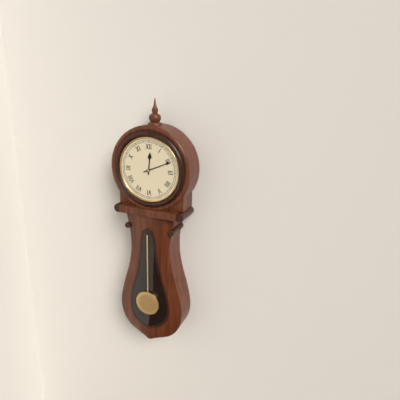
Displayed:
12.11
